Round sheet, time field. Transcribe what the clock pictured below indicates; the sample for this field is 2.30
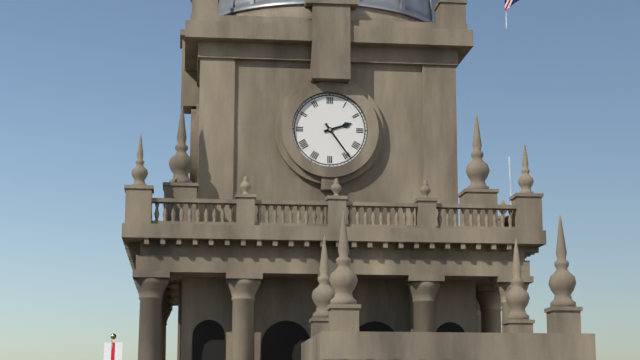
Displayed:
2.24
